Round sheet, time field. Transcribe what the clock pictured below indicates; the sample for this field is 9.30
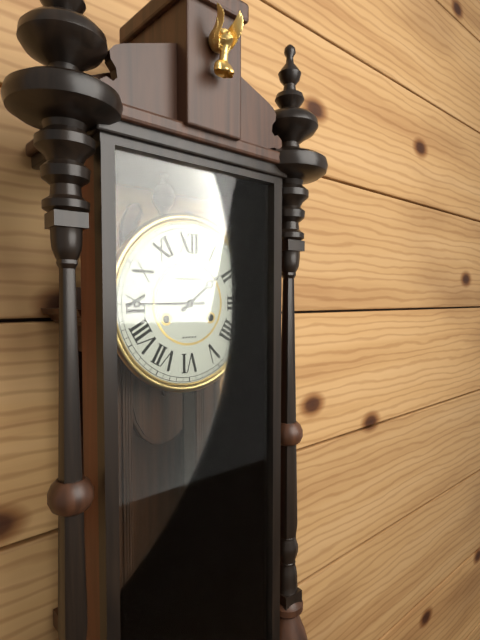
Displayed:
1.45
